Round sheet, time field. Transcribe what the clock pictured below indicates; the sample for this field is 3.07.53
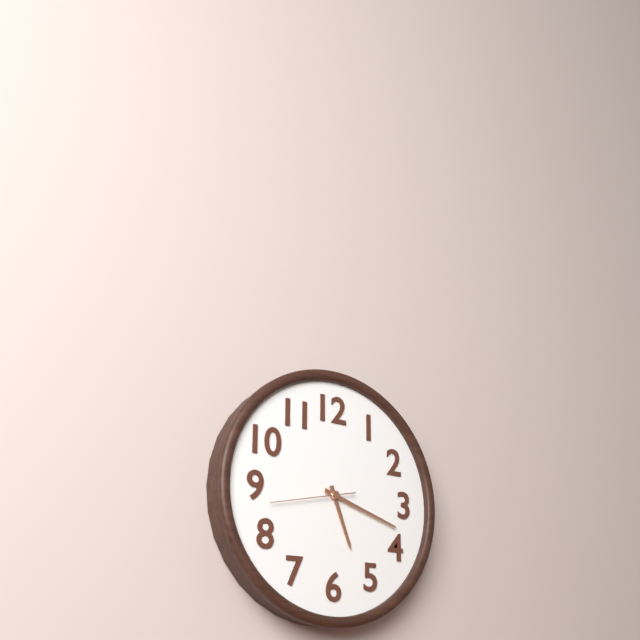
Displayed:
5.18.43
